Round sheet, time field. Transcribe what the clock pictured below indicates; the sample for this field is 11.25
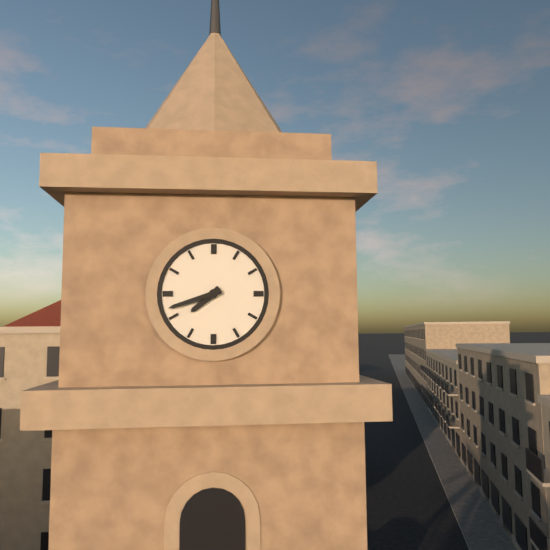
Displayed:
7.42
